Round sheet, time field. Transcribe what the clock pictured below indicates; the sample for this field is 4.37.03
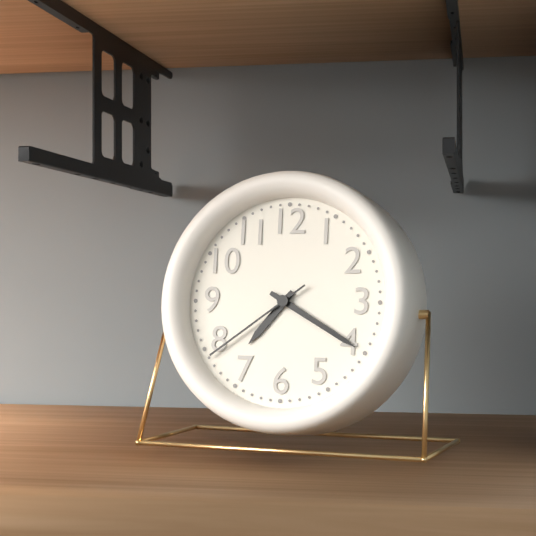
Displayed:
7.20.39
